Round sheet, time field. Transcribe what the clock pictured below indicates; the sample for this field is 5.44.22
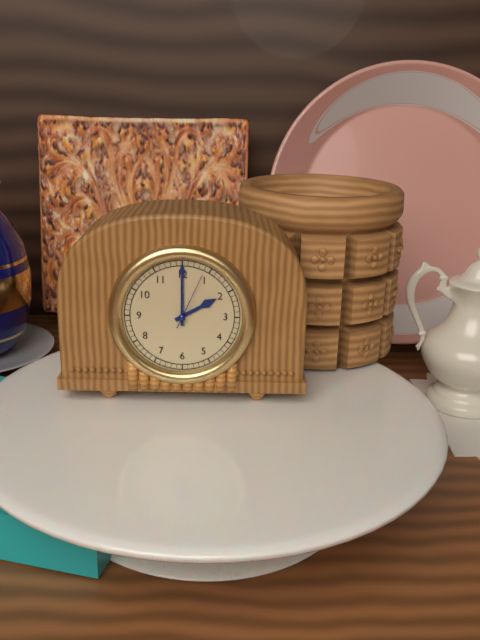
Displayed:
2.00.04
